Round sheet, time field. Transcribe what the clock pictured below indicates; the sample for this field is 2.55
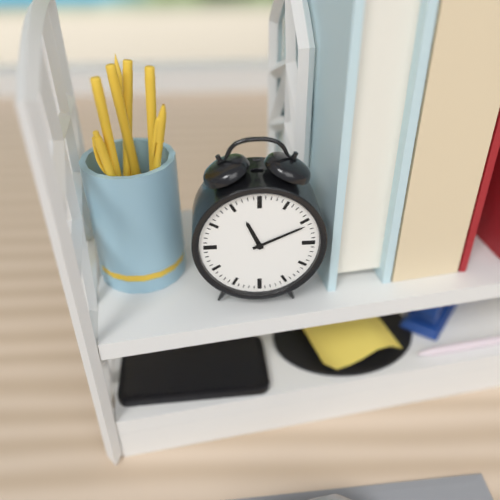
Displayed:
11.11
